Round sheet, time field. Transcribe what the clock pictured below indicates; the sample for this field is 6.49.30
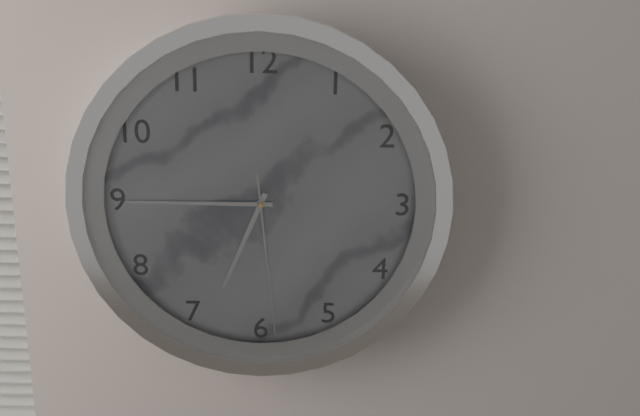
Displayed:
6.45.29
